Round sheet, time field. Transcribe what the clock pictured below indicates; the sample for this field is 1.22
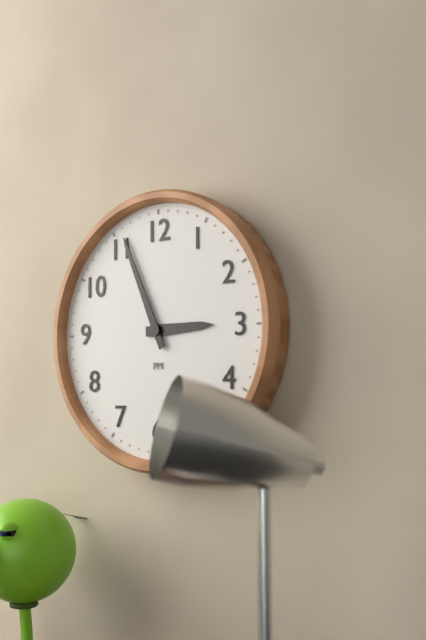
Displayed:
2.56
